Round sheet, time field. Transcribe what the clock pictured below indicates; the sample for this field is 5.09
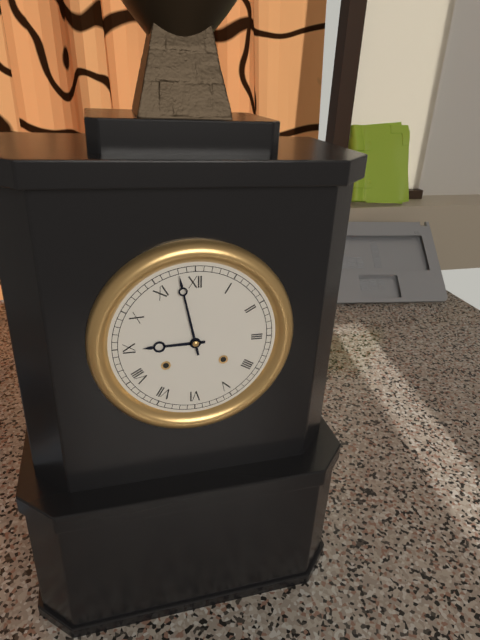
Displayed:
8.58
